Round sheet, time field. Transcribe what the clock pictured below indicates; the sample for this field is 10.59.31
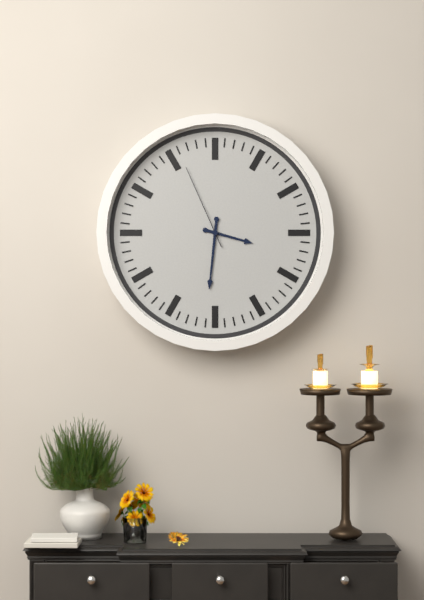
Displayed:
3.31.56
